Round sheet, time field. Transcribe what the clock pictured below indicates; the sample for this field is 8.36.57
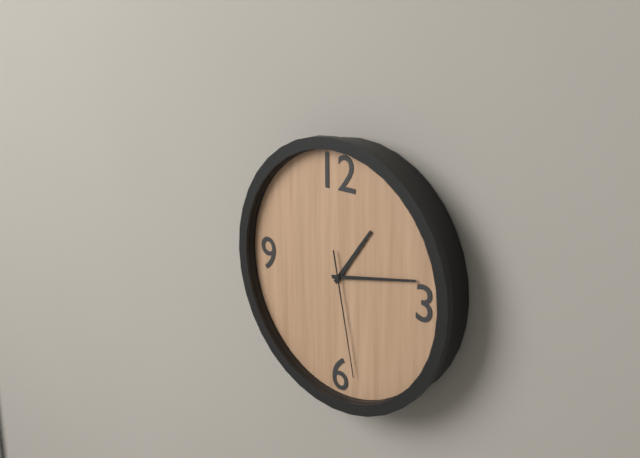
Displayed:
1.13.28
